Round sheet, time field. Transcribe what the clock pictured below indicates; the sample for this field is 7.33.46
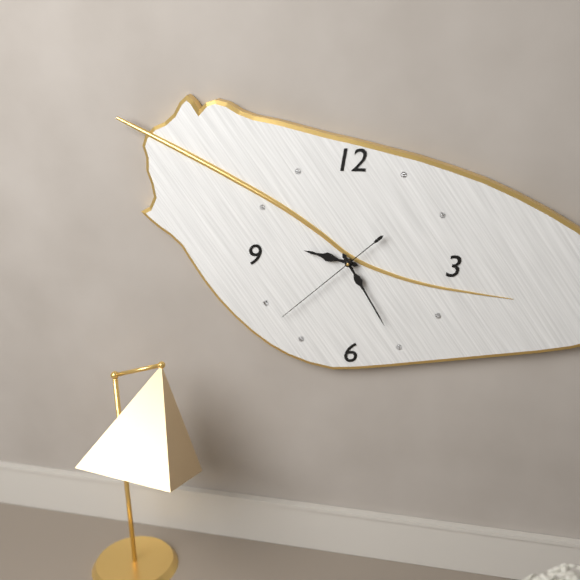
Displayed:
9.25.38
